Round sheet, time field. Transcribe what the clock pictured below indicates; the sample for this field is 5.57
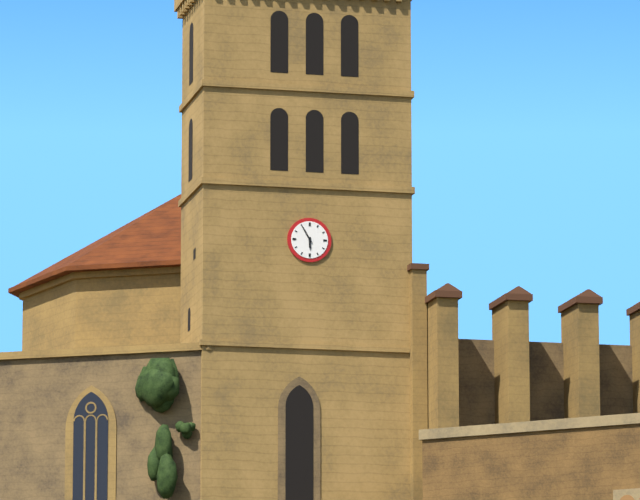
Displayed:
5.55
